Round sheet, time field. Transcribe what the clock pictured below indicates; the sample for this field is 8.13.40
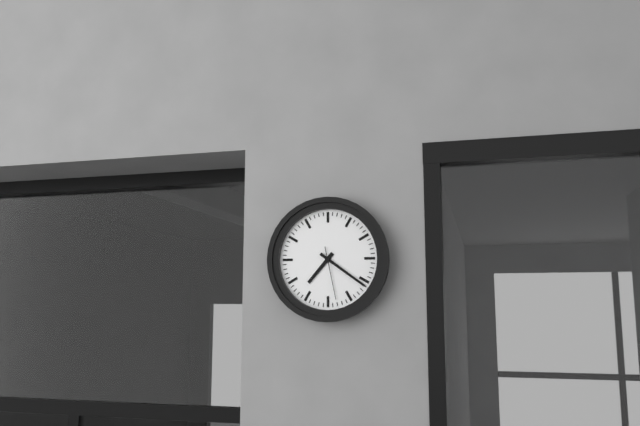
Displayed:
7.21.28
